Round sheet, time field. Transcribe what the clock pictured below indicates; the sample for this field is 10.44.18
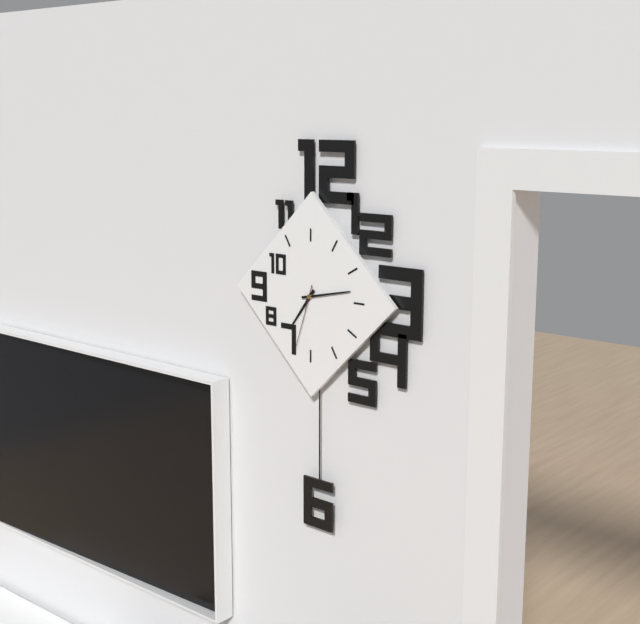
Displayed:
7.13.33
